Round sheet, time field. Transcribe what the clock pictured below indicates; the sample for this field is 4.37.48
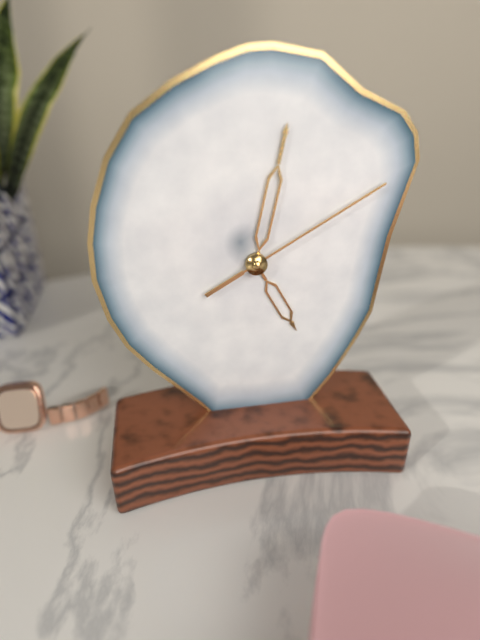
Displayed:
5.02.10
